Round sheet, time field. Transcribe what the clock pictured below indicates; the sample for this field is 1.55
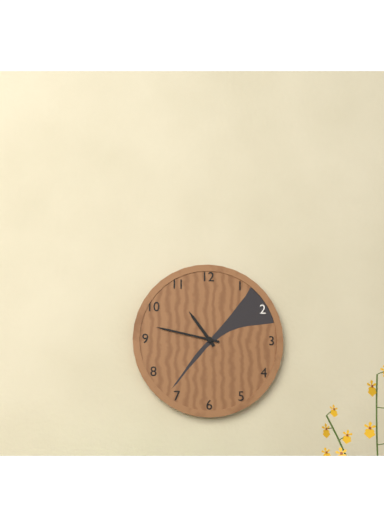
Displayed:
10.47
